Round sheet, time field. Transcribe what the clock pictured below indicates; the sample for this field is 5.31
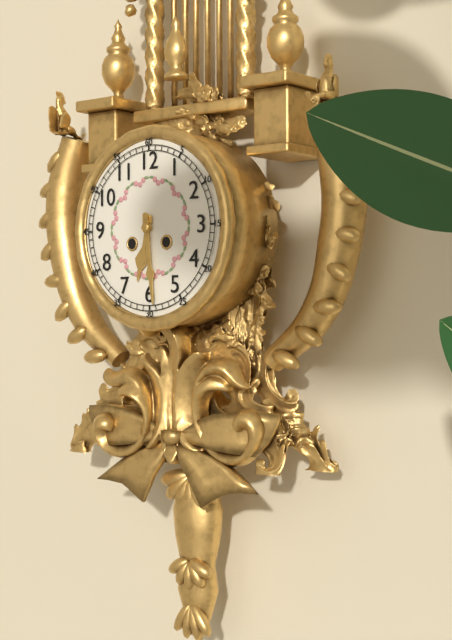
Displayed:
6.29
